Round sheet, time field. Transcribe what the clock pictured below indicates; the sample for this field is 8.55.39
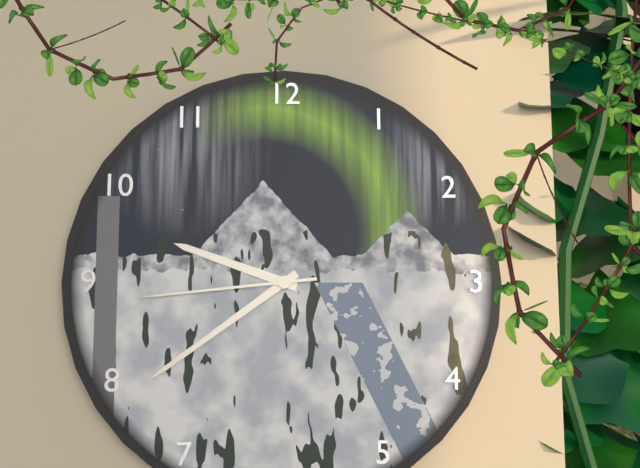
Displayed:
9.39.44
